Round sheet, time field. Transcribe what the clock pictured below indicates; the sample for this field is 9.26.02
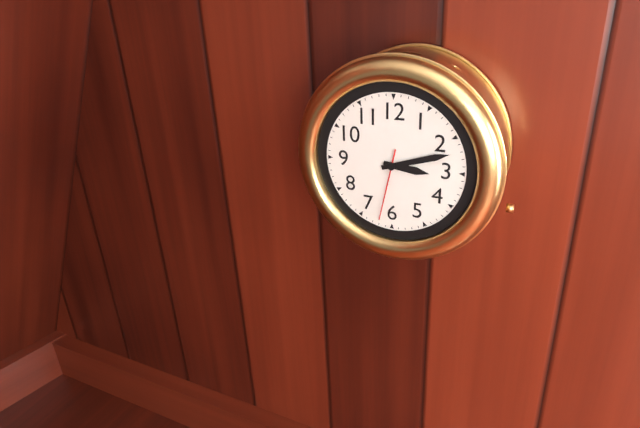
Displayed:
3.12.32
